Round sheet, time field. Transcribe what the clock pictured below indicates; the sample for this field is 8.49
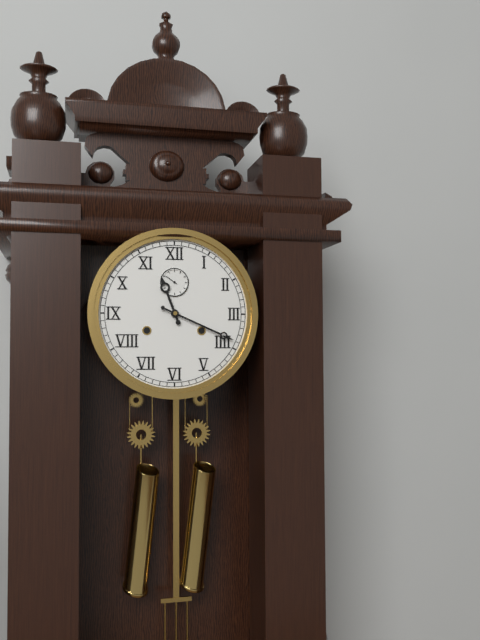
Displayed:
11.19
